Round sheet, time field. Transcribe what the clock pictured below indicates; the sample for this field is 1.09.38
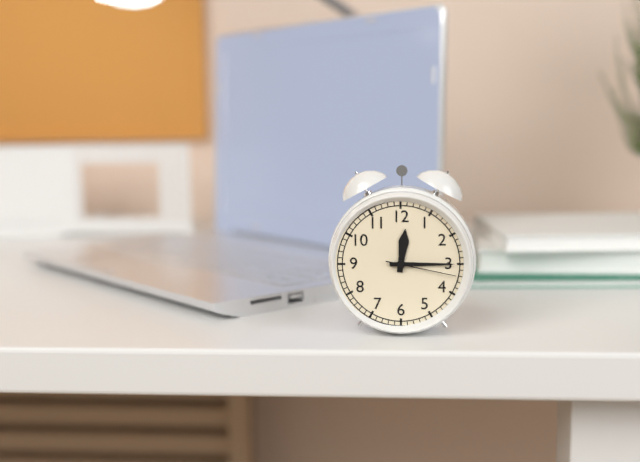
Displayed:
12.15.17
